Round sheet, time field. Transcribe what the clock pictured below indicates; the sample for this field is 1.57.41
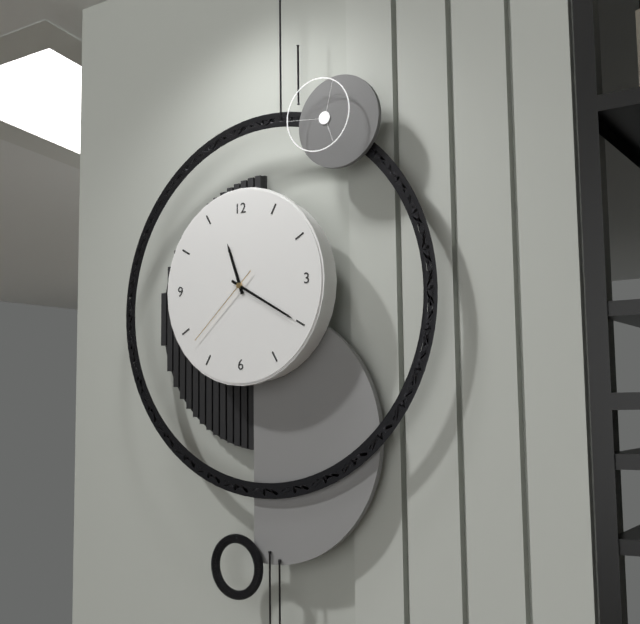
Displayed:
11.20.38
